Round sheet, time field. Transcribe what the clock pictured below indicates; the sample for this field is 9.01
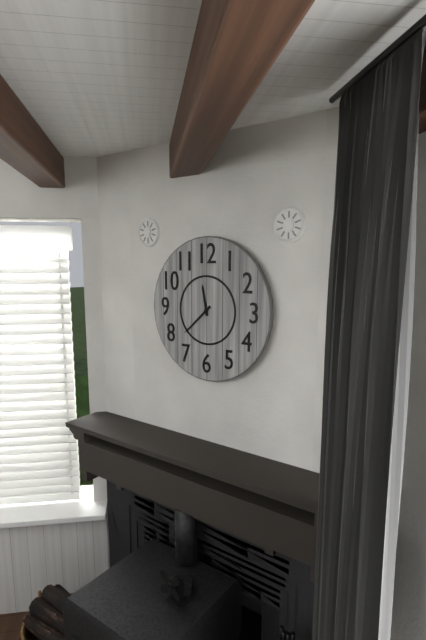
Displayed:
11.38
